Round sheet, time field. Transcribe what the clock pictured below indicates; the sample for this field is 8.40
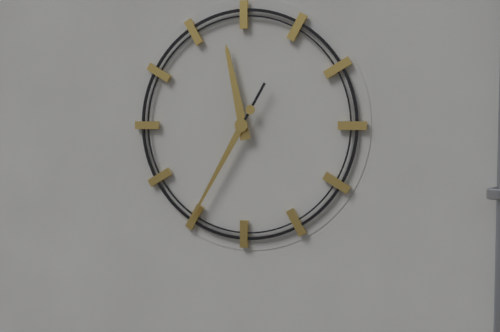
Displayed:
11.35
